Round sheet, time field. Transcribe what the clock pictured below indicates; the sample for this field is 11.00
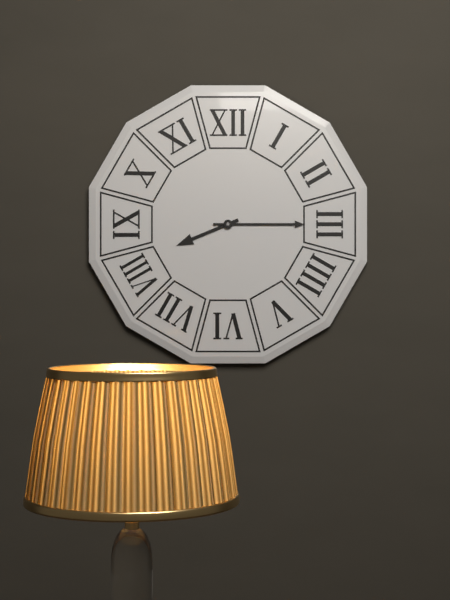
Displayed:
8.15
